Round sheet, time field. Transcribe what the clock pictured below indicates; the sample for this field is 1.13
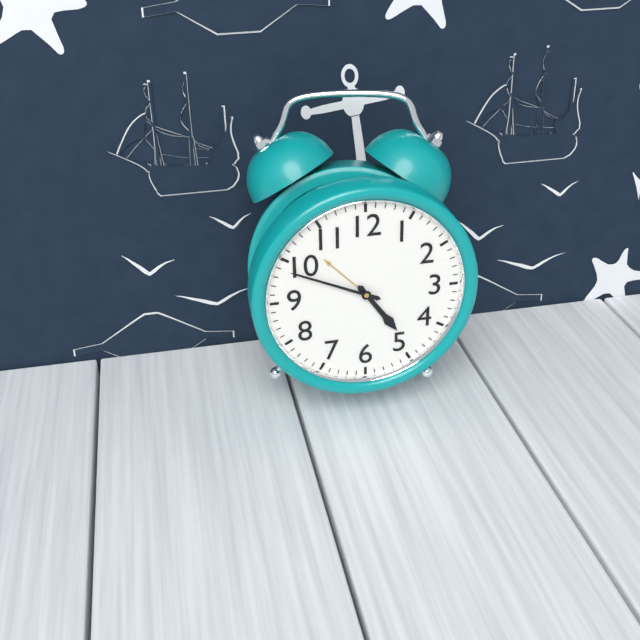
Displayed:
4.49
